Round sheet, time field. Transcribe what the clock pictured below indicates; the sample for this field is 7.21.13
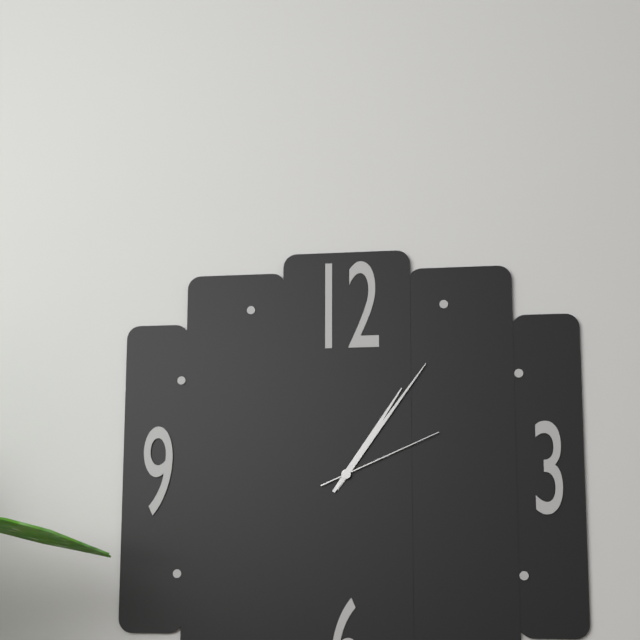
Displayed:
1.06.11
